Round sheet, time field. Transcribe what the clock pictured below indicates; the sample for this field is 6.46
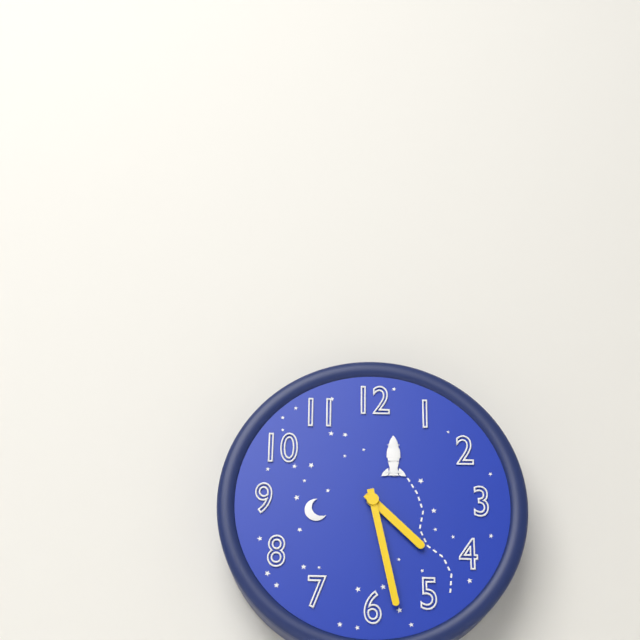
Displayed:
4.28
